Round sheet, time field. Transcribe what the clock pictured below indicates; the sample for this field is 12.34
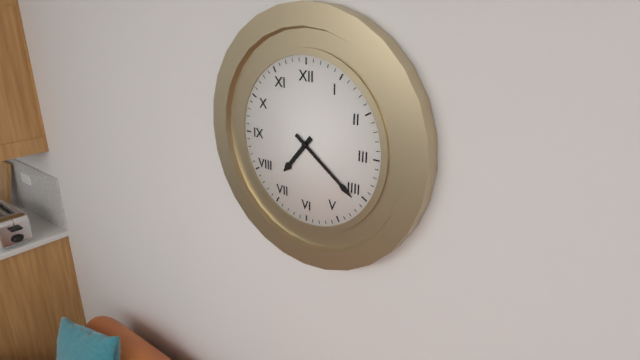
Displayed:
7.21
